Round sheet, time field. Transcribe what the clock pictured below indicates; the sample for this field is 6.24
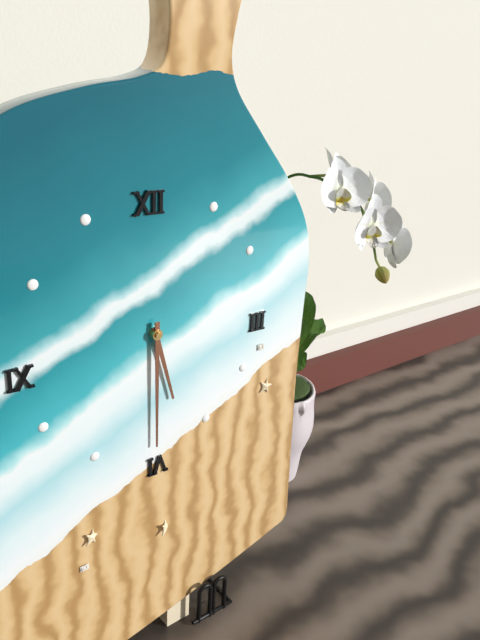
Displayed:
5.30
